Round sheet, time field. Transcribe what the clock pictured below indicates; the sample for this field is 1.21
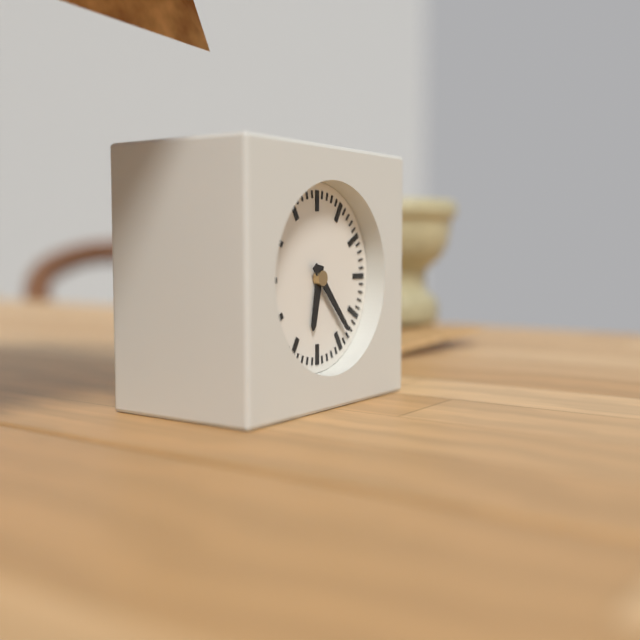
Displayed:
6.23
